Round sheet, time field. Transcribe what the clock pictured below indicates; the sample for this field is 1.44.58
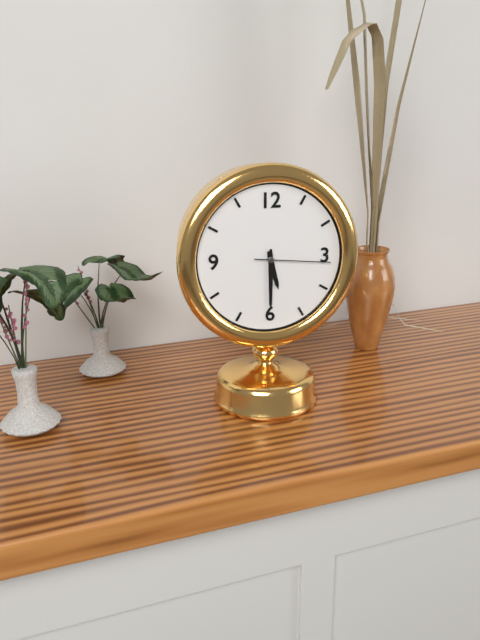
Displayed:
5.30.16
